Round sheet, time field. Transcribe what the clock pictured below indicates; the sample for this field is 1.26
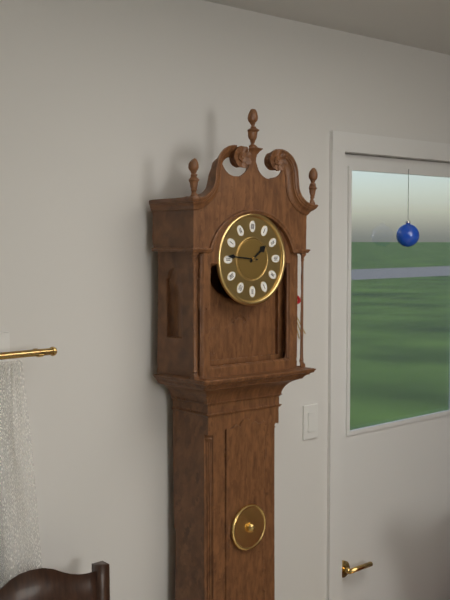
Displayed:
1.46
